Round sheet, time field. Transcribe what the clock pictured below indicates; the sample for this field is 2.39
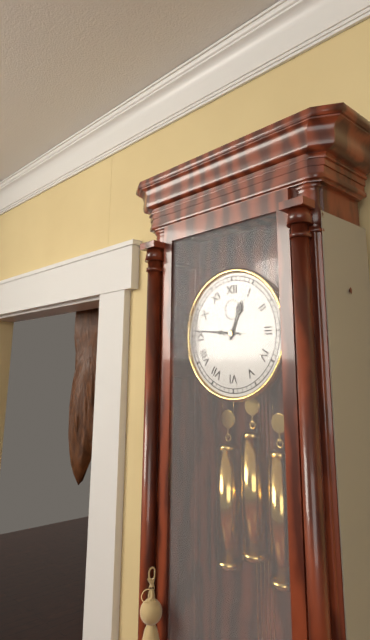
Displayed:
12.46
